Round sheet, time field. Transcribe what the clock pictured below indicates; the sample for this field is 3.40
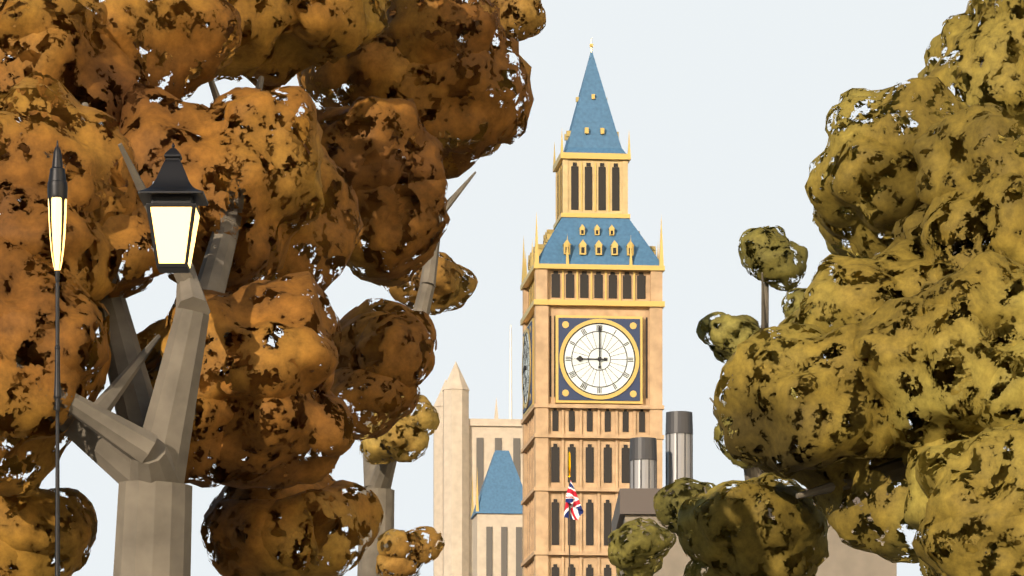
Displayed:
9.00
